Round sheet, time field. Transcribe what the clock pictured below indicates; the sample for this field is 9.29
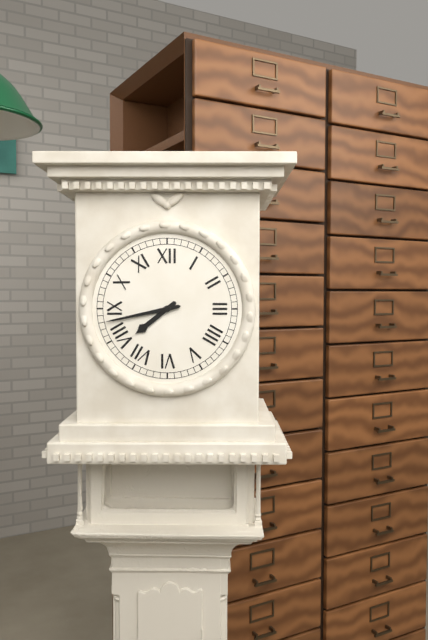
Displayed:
7.43
